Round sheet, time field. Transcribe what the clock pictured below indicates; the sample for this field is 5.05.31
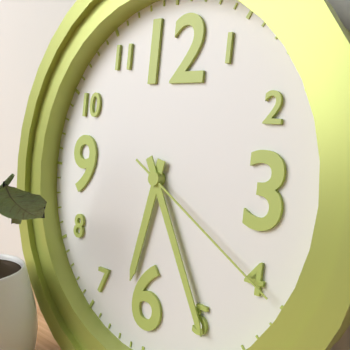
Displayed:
6.25.20
